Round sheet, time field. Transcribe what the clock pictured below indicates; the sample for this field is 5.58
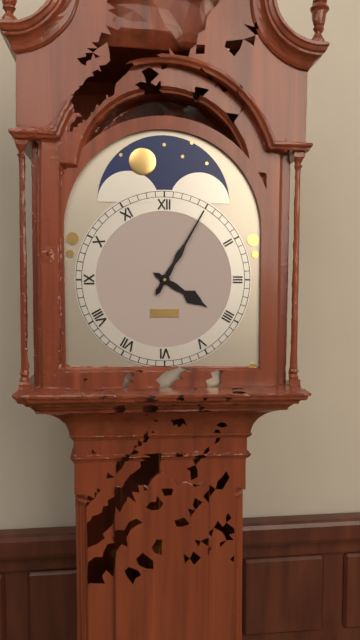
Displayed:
4.05
